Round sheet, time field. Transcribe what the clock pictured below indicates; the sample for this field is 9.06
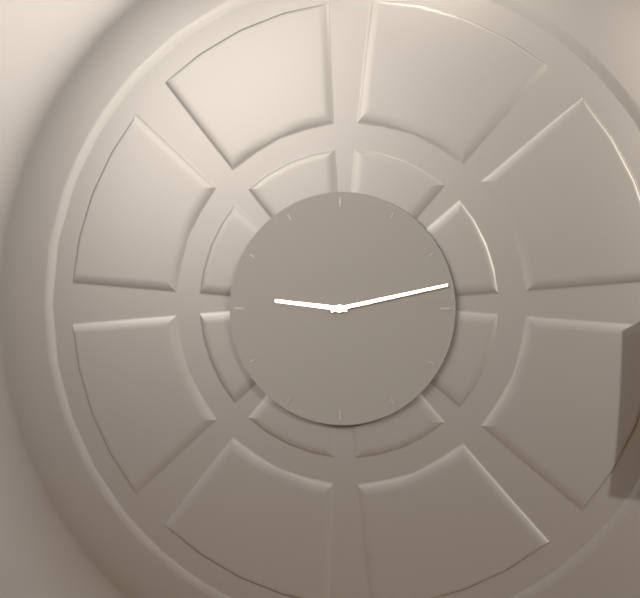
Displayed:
9.13
